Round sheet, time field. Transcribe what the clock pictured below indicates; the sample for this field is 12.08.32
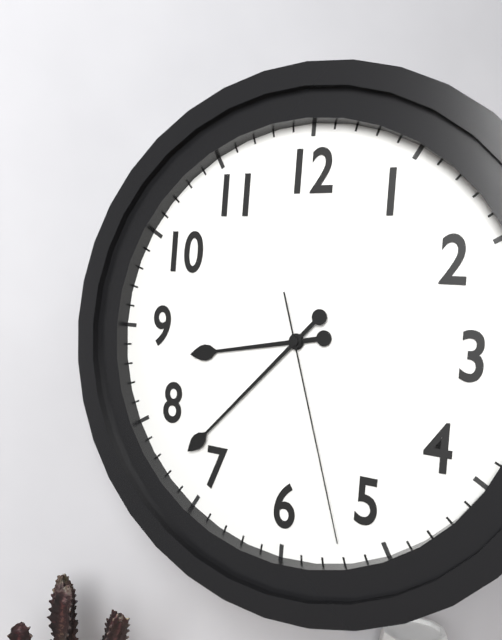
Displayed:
8.37.27
